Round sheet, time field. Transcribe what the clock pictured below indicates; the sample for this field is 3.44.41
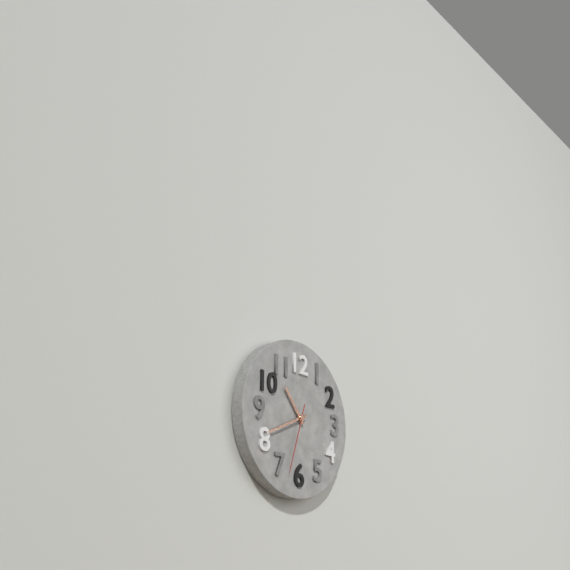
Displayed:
10.41.33
